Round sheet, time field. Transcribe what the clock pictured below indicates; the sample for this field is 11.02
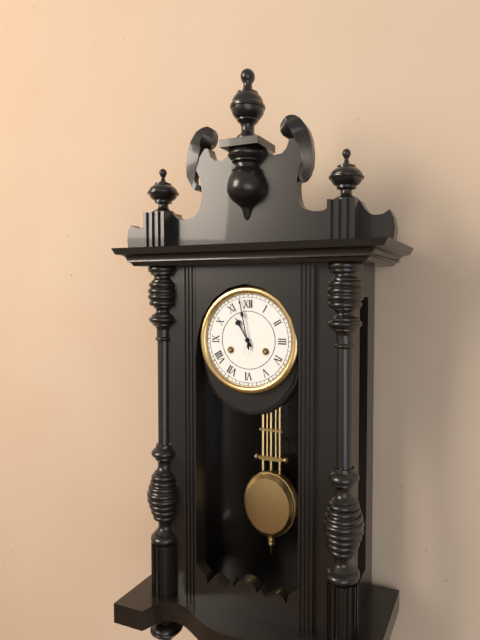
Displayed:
10.58
